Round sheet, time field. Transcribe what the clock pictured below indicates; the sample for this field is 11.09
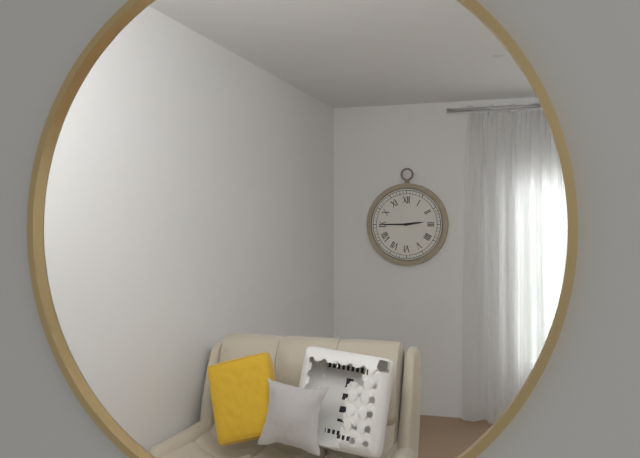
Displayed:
2.45
